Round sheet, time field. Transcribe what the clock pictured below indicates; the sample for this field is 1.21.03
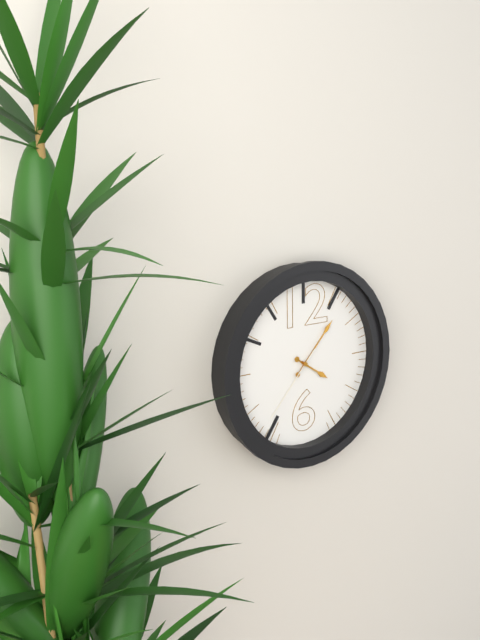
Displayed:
4.07.37
